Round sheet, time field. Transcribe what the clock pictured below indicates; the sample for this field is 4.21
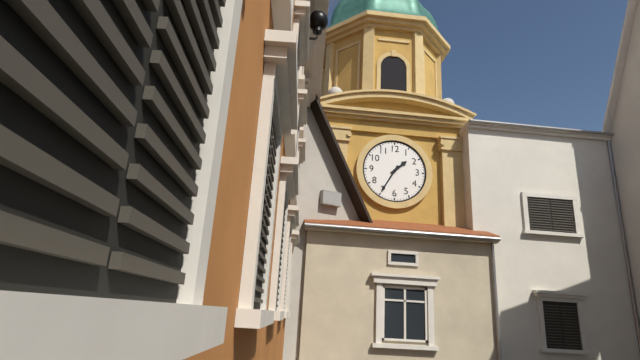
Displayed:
1.35
